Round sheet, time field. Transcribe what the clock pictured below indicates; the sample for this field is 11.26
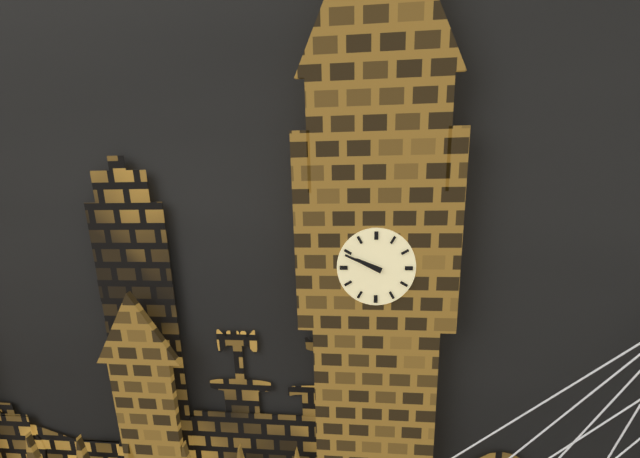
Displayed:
9.49
